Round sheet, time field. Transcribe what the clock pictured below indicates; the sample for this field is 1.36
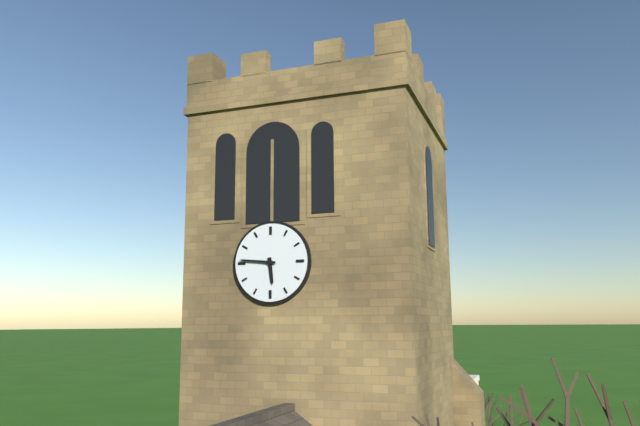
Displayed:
5.46
